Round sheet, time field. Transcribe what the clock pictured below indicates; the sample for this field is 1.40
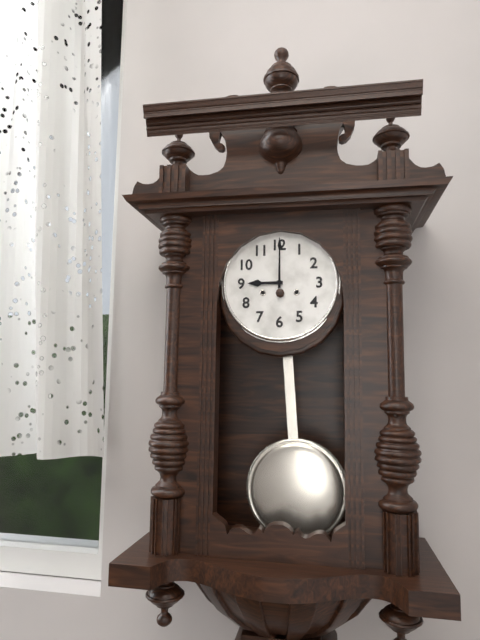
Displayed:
9.00
